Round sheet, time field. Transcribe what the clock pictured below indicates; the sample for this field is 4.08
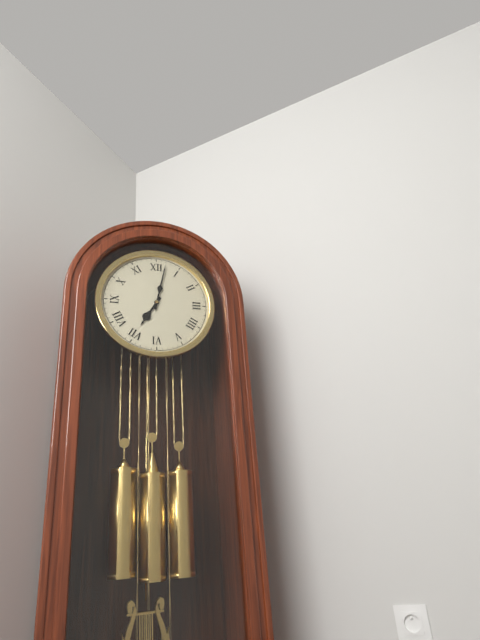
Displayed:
7.02
